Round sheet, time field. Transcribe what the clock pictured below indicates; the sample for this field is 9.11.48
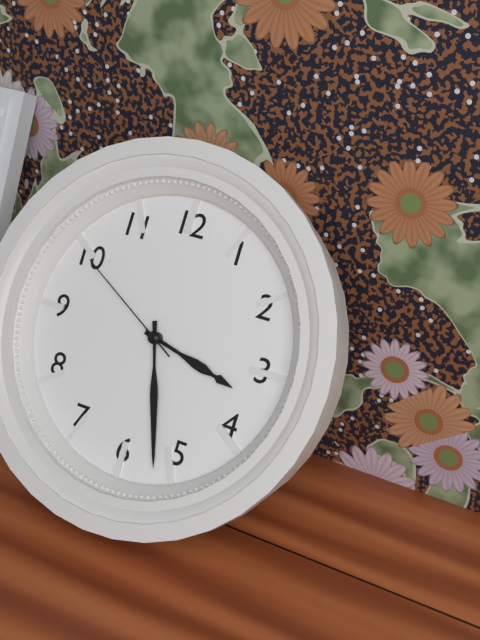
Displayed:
3.27.50
